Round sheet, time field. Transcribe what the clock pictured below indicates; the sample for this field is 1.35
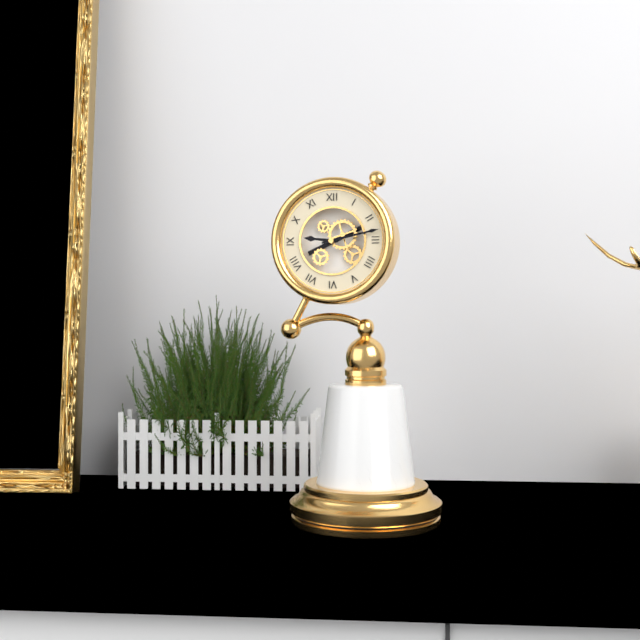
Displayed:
9.13
